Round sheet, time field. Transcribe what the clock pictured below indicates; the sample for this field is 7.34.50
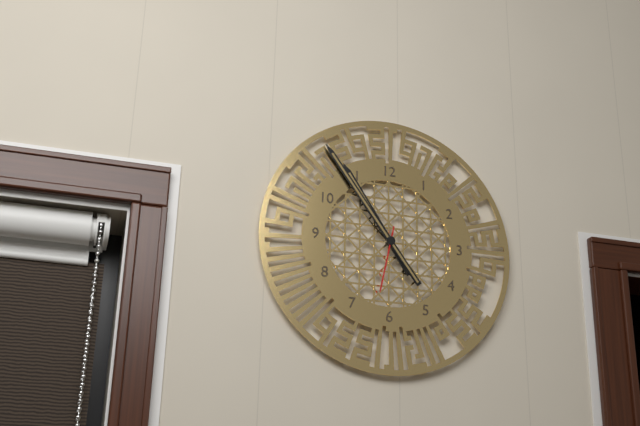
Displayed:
10.54.32
